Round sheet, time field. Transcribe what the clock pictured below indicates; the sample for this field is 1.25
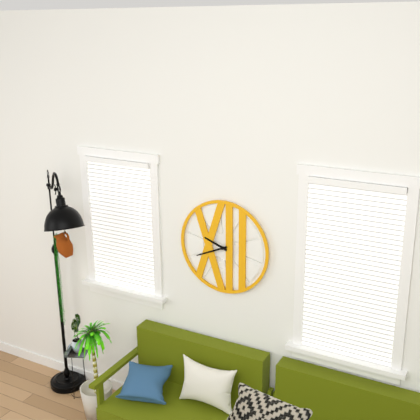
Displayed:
9.41
